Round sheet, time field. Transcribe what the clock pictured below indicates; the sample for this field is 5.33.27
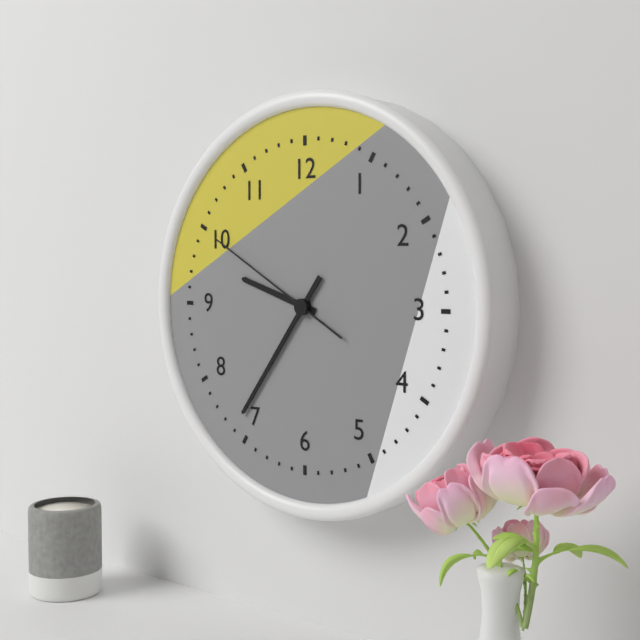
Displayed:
9.36.50
